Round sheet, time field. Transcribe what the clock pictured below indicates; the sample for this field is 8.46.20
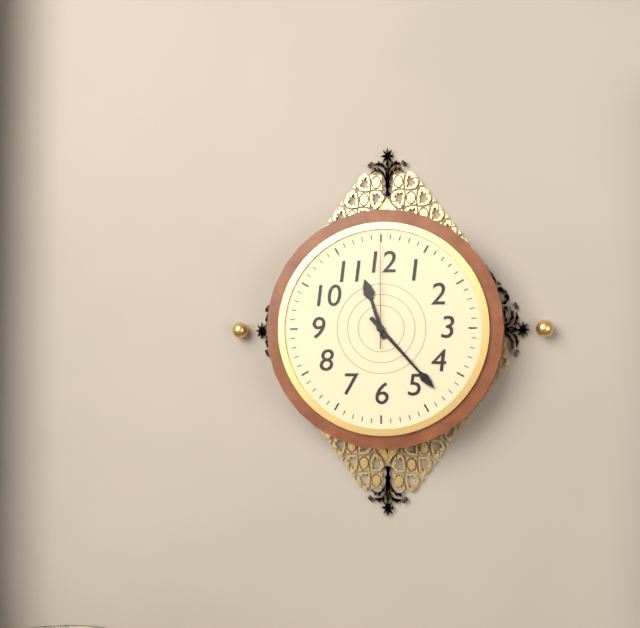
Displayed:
11.23.00
